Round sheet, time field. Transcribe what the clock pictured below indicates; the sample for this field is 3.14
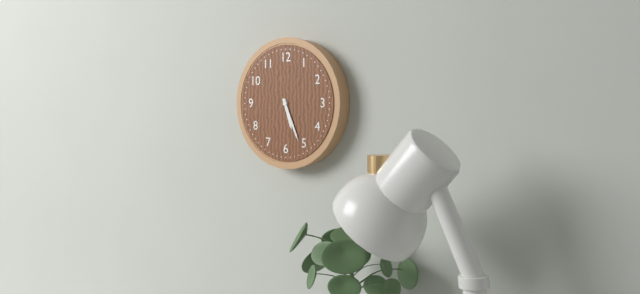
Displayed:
5.26
